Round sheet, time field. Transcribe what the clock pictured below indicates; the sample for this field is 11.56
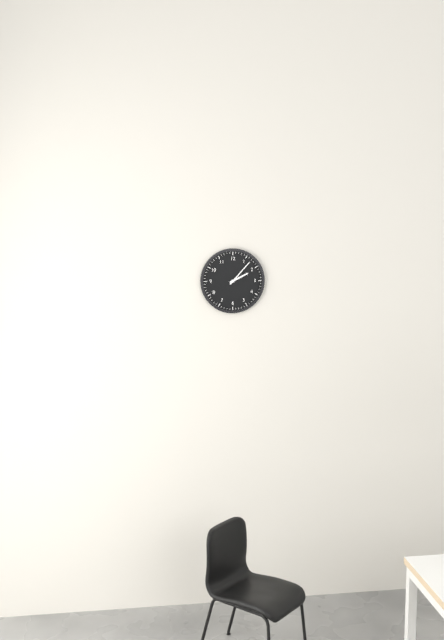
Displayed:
2.07
